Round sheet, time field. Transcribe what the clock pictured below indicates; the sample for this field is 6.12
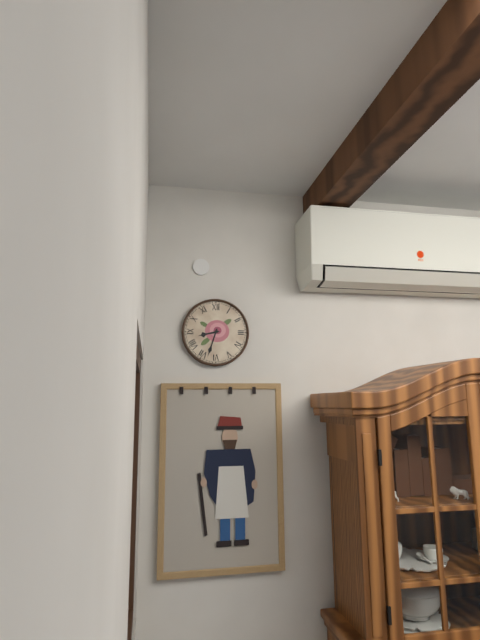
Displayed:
8.33
